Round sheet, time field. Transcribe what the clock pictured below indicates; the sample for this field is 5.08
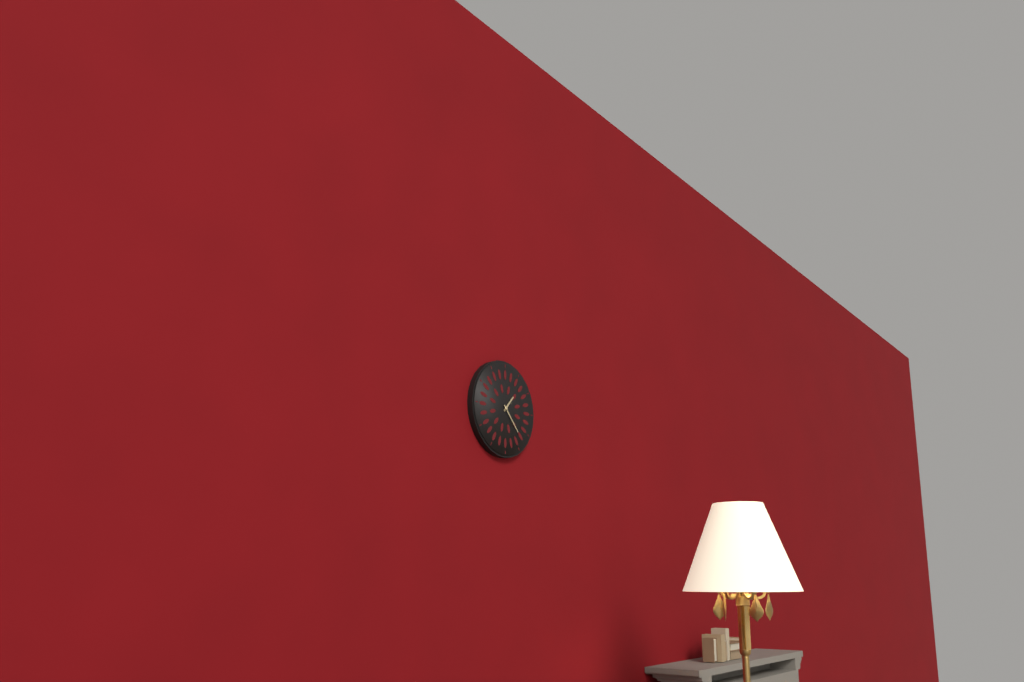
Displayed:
1.23
